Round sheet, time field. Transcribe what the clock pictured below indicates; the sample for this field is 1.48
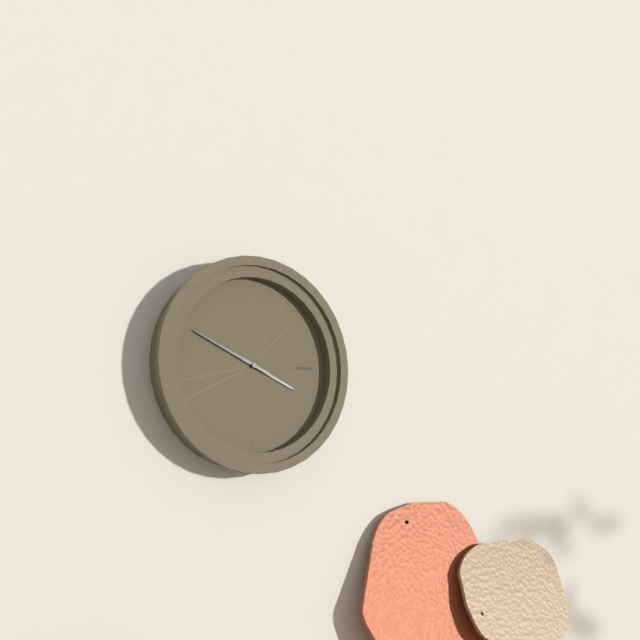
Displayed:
3.49
